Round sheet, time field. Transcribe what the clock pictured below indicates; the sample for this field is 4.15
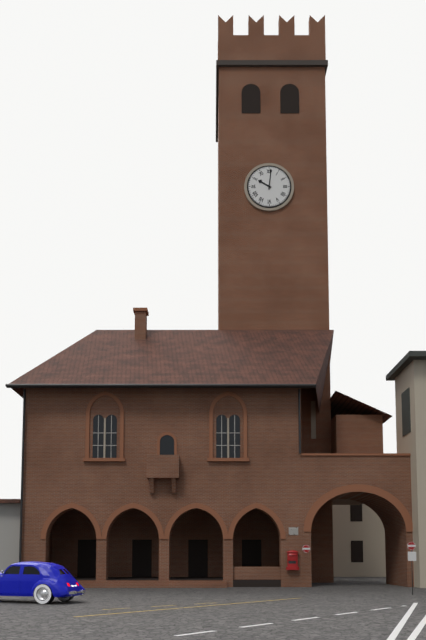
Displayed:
10.01
